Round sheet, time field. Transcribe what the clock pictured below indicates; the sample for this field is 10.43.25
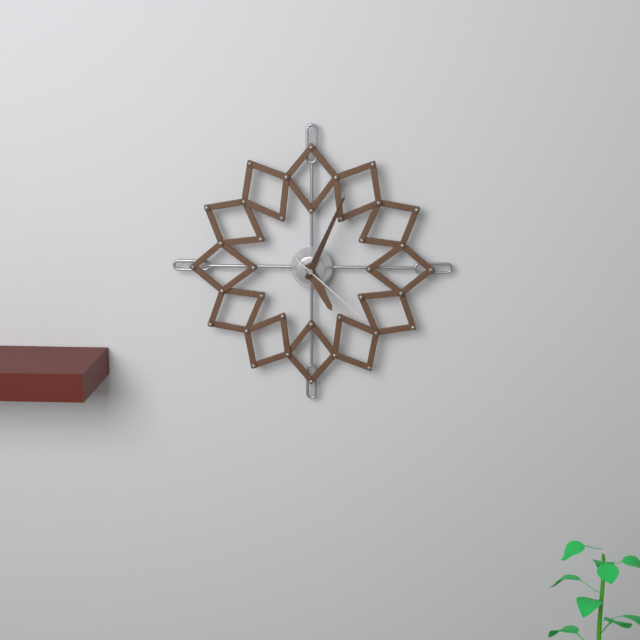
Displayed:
5.04.22
